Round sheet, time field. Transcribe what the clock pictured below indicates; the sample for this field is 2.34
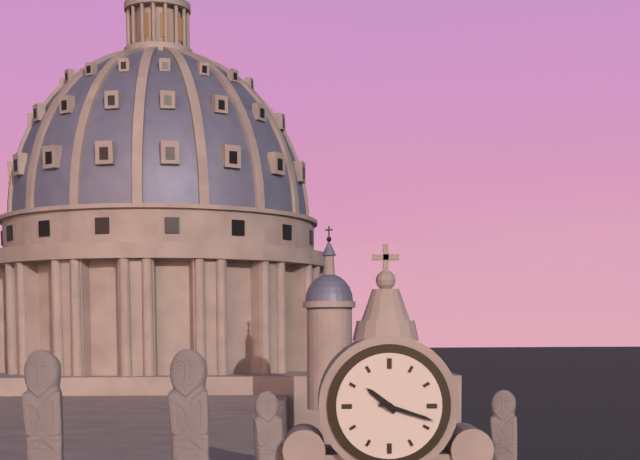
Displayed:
10.18
